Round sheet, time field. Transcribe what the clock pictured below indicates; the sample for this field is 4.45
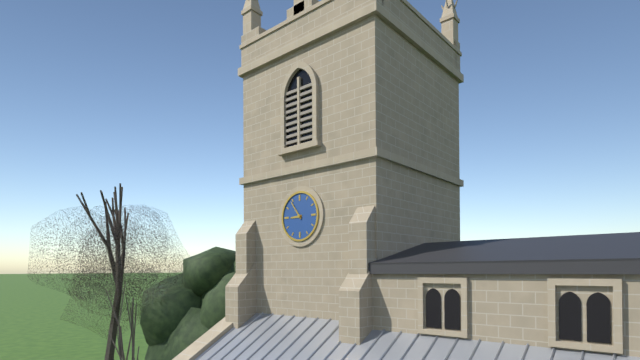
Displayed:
8.54
